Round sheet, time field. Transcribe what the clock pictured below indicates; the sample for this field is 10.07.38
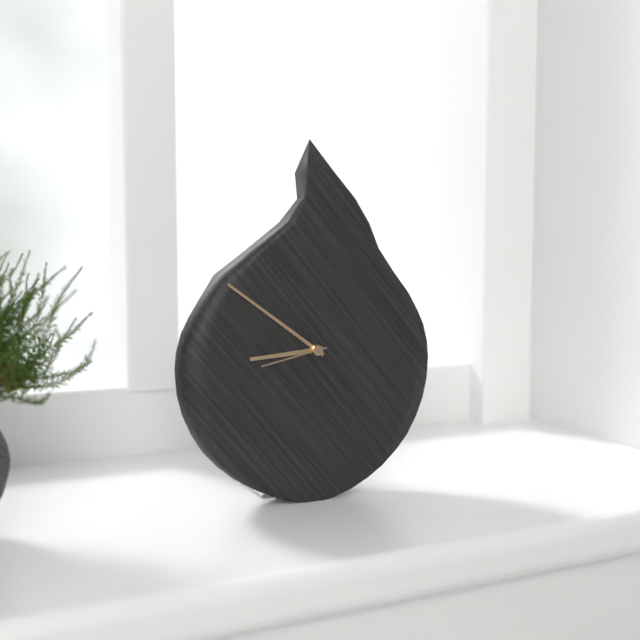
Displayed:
8.51.43
